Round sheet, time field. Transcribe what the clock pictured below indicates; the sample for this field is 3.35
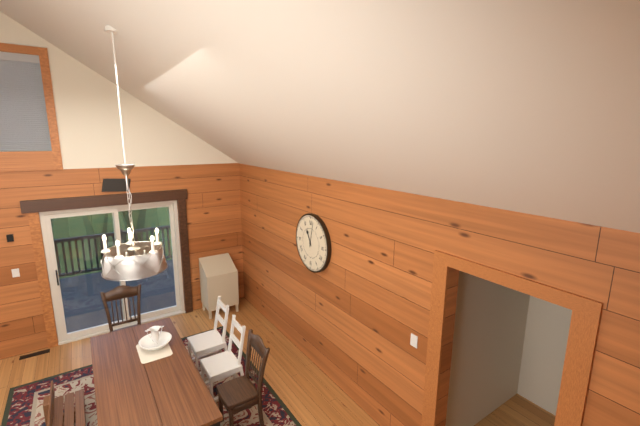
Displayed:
11.02
